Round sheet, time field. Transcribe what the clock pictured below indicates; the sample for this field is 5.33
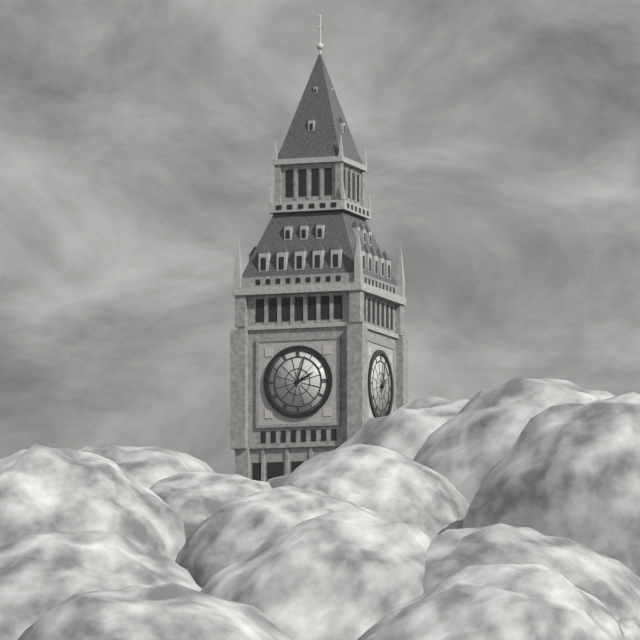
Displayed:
2.03
